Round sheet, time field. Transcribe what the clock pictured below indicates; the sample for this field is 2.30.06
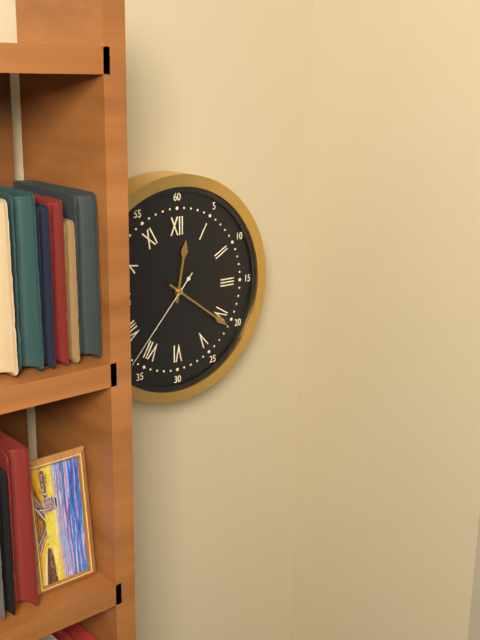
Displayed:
12.21.37
